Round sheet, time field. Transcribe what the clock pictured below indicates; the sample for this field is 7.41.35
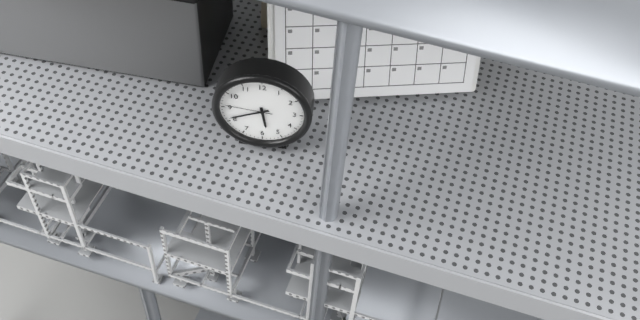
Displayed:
5.41.46
